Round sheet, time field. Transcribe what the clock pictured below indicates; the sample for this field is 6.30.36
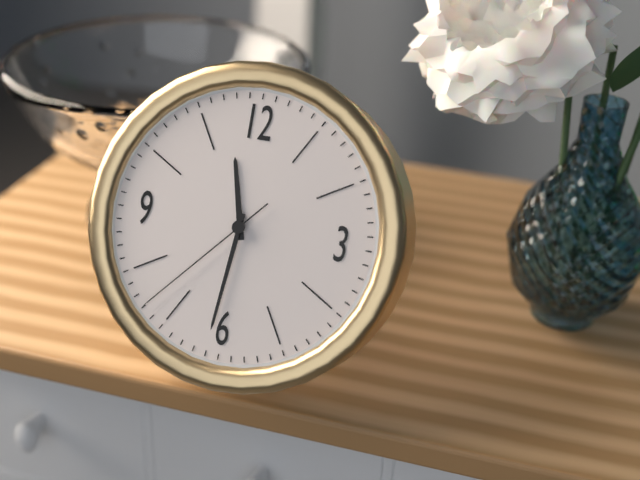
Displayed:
11.31.37
